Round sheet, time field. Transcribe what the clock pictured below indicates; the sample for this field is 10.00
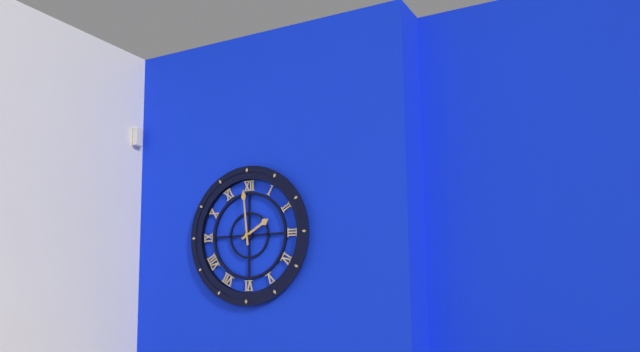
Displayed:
1.59
